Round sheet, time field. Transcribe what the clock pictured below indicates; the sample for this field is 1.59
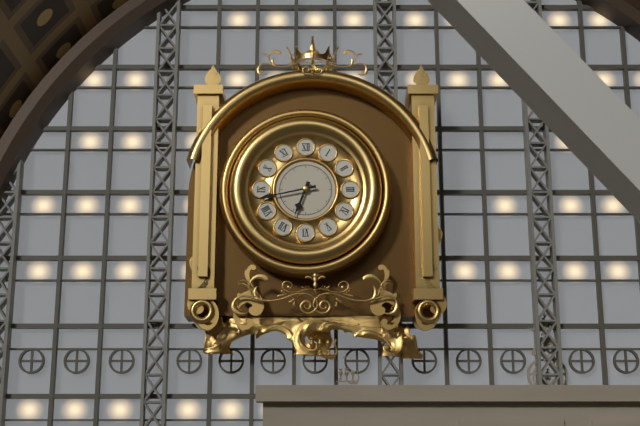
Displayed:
6.43
